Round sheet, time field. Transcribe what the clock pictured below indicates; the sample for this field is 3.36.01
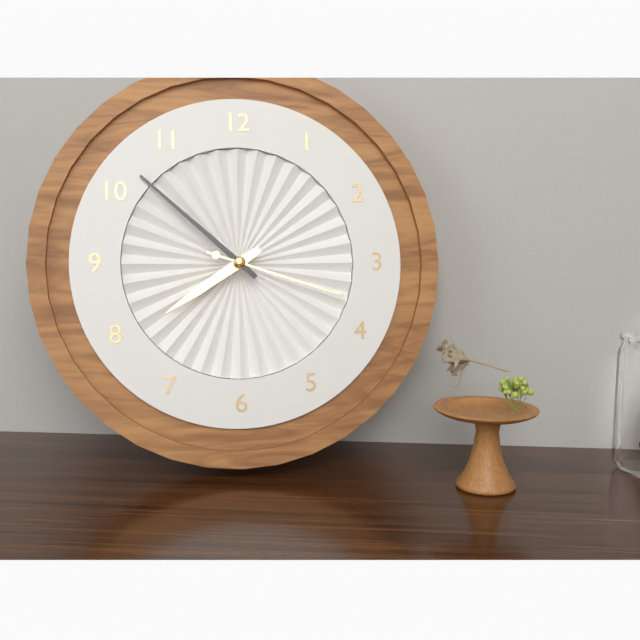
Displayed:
7.52.18
